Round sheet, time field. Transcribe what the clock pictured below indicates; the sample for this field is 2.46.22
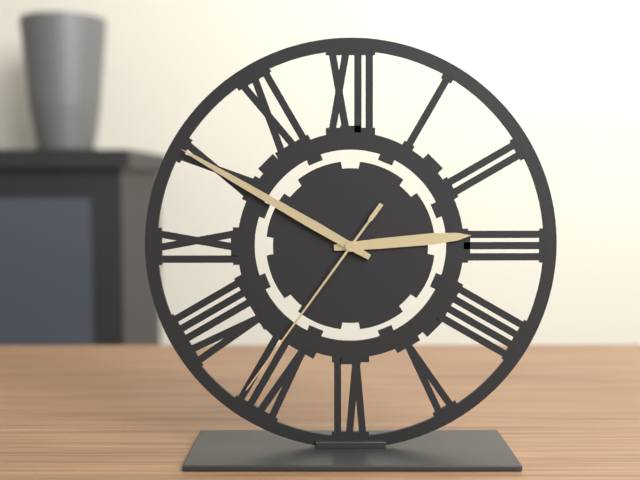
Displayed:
2.50.36
